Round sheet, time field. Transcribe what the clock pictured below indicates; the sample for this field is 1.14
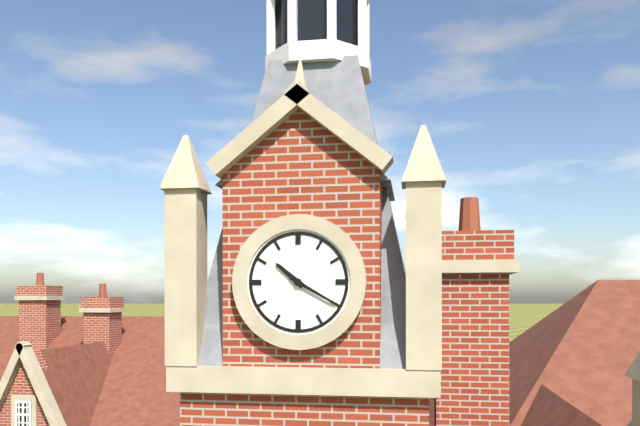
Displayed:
10.20
